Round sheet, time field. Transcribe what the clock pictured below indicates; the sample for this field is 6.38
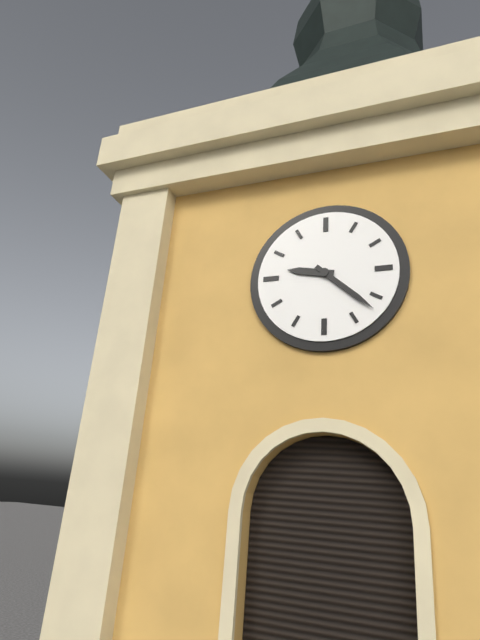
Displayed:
9.22
